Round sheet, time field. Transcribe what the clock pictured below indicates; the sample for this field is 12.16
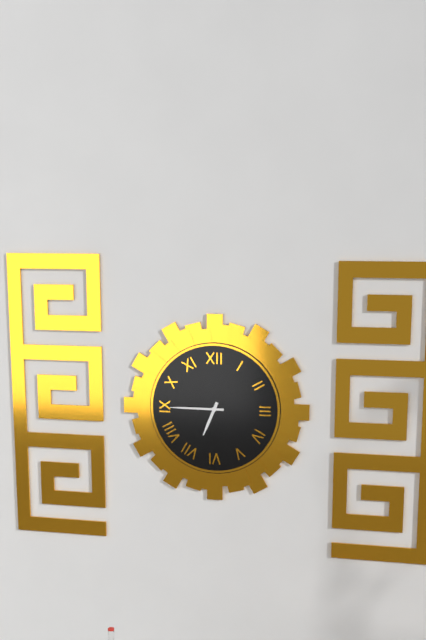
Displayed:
6.45
